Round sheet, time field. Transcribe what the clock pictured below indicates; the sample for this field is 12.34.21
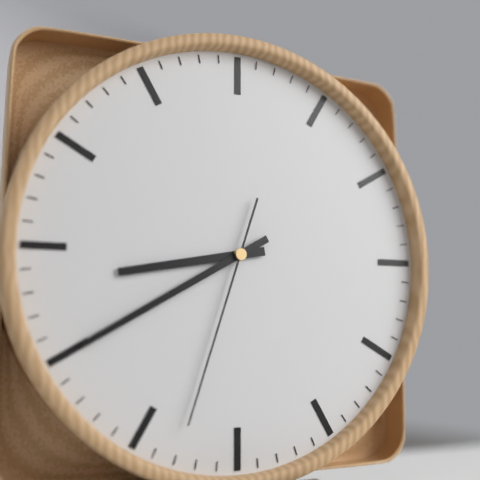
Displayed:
8.40.33
